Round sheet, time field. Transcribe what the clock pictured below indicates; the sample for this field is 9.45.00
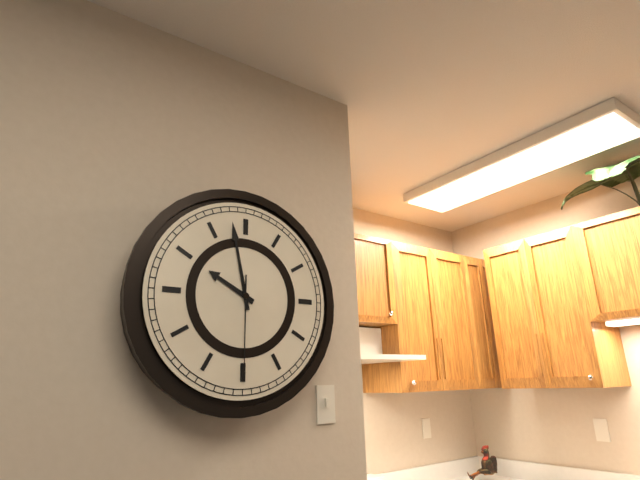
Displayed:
9.58.30
